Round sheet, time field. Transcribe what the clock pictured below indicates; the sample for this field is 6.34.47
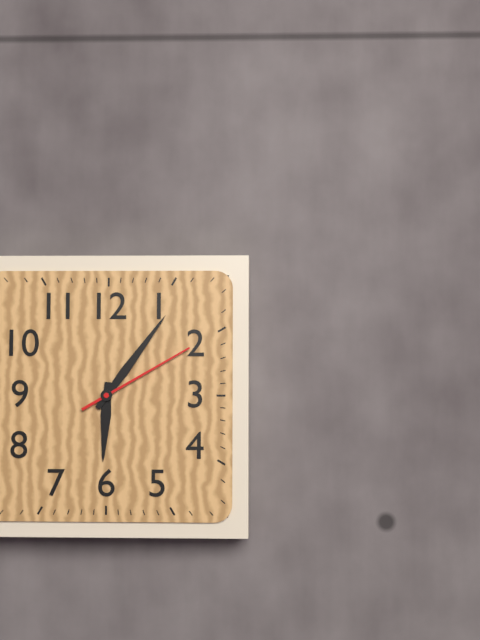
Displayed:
6.06.10
